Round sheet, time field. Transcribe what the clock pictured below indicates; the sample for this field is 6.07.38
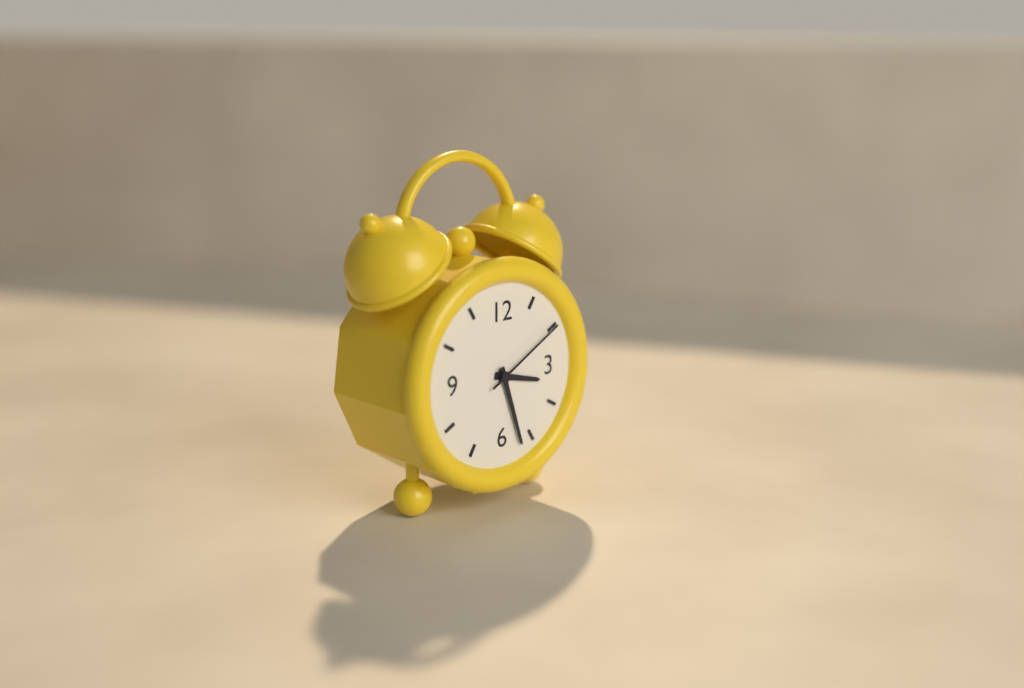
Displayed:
3.27.10
